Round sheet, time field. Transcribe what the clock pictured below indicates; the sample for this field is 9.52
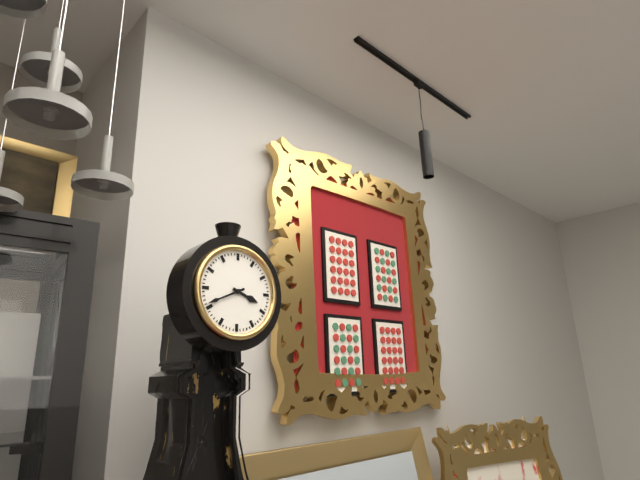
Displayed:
3.41
